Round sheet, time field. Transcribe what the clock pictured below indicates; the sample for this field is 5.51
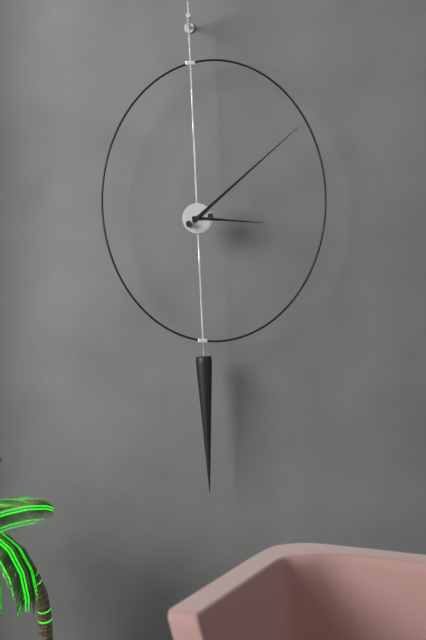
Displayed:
3.08
